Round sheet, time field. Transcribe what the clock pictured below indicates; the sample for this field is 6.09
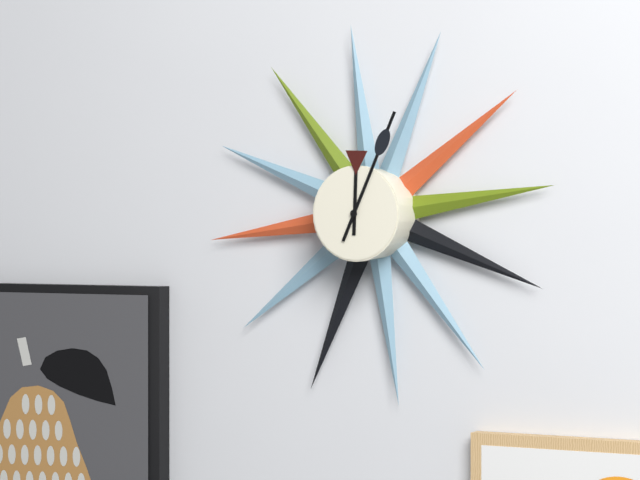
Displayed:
12.04
